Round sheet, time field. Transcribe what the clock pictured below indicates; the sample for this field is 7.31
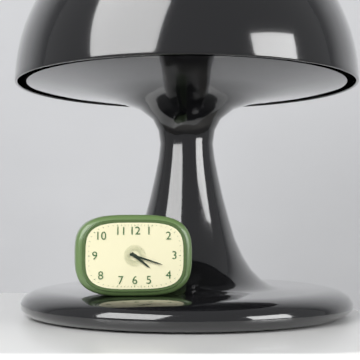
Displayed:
4.18
